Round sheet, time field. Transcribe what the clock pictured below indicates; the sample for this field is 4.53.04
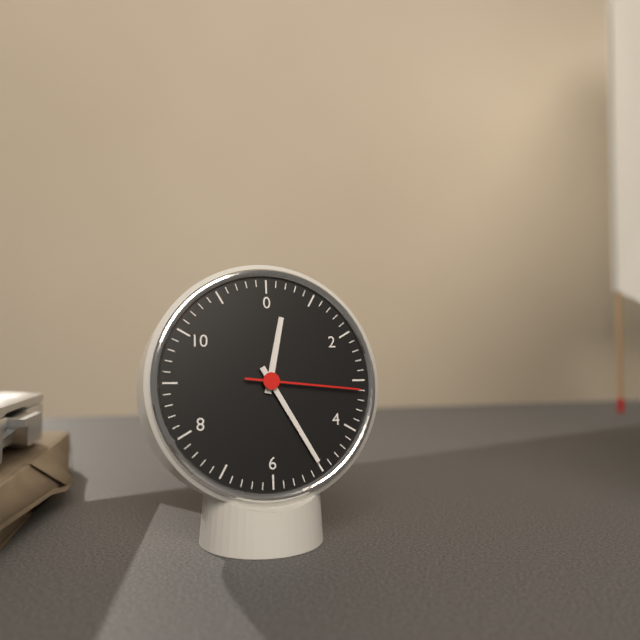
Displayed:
12.25.16
